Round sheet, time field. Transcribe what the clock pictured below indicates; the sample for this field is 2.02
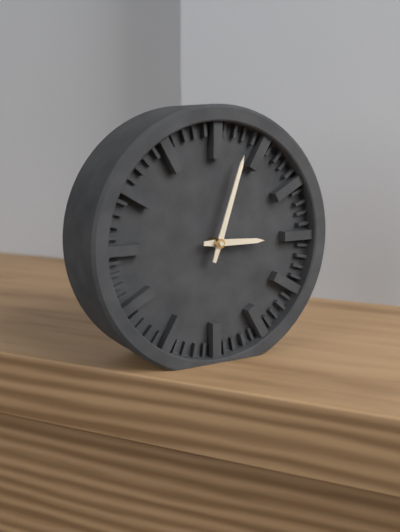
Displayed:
3.03
